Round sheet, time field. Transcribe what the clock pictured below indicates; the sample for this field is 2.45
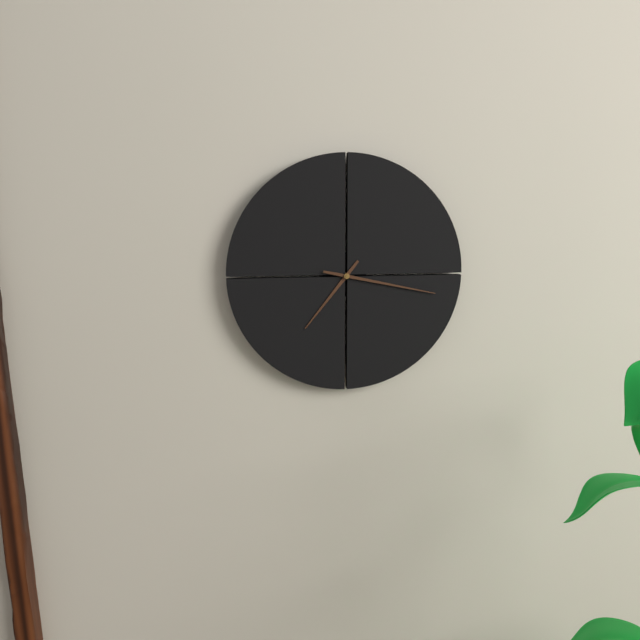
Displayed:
7.17
